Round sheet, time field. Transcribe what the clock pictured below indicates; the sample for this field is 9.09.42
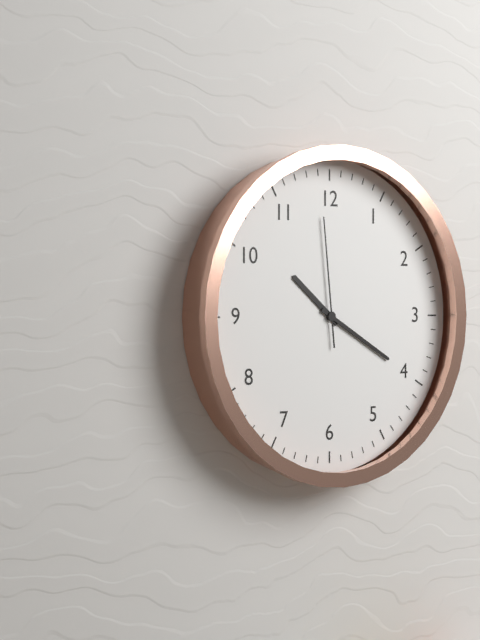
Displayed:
10.20.59
